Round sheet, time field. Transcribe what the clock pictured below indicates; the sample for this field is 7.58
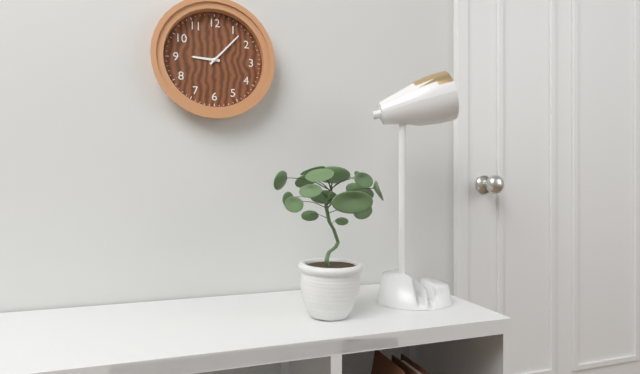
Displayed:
9.07
